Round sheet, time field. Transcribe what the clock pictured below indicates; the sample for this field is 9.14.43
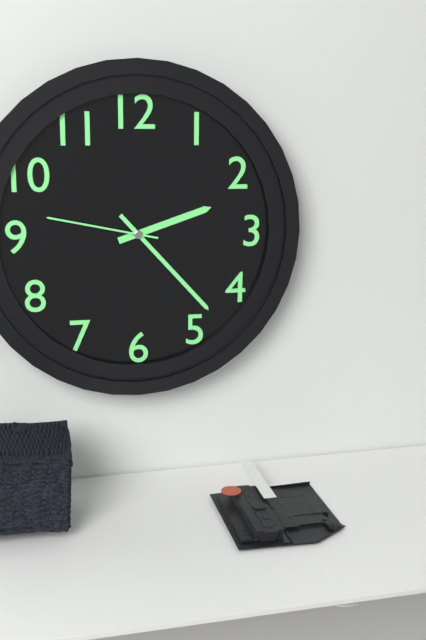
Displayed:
2.23.47
